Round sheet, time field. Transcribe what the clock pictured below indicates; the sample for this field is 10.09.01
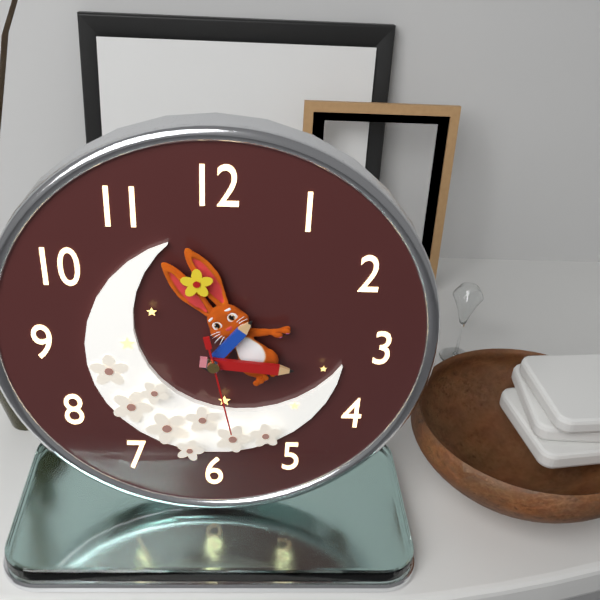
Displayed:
1.16.28
